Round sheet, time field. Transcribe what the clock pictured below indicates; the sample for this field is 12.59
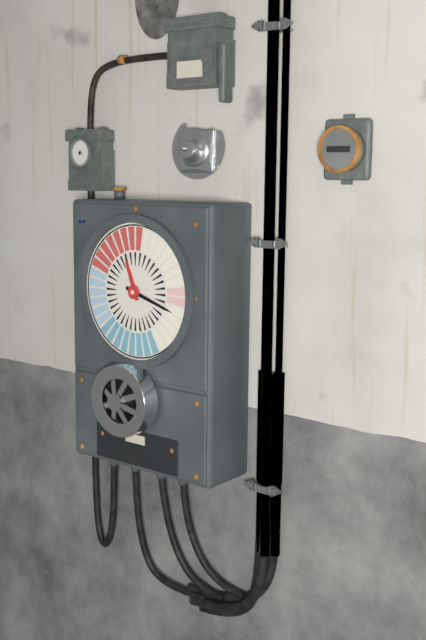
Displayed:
11.18
